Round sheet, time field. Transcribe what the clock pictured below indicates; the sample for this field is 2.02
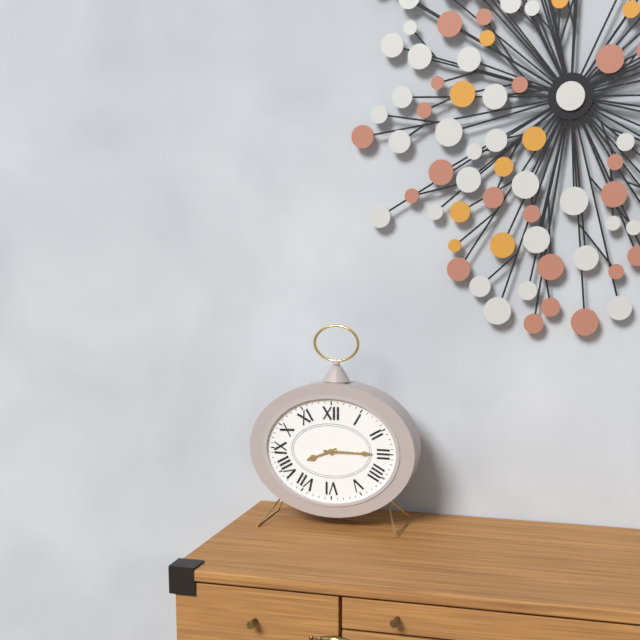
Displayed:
8.15
